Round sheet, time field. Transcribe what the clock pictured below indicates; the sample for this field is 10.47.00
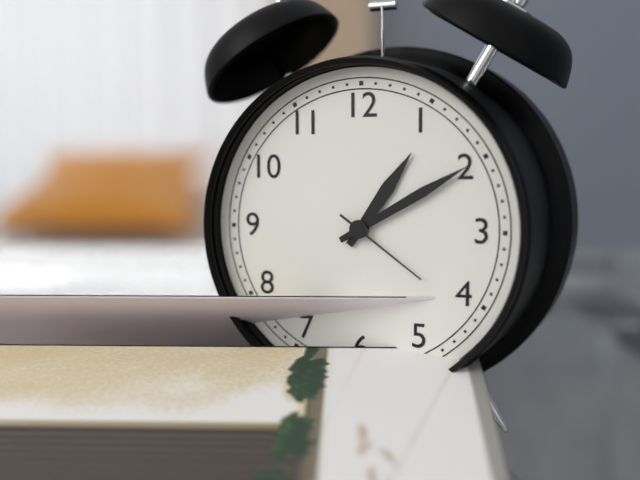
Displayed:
1.10.21
